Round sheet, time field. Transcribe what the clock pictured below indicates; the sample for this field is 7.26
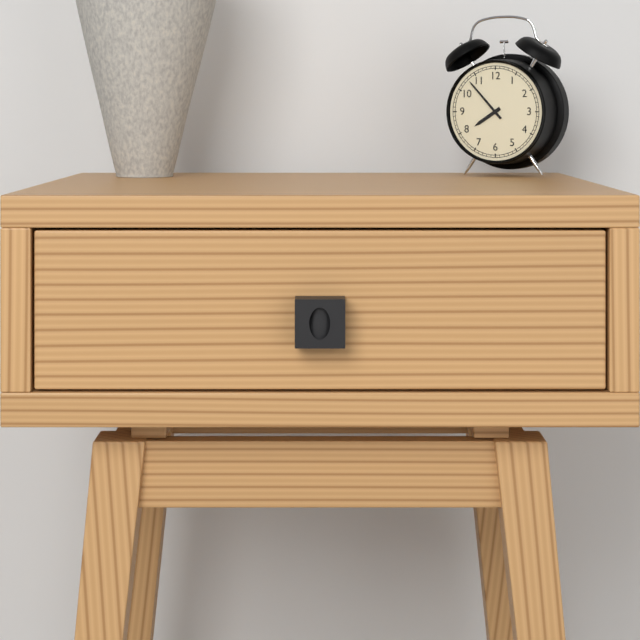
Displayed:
7.53
